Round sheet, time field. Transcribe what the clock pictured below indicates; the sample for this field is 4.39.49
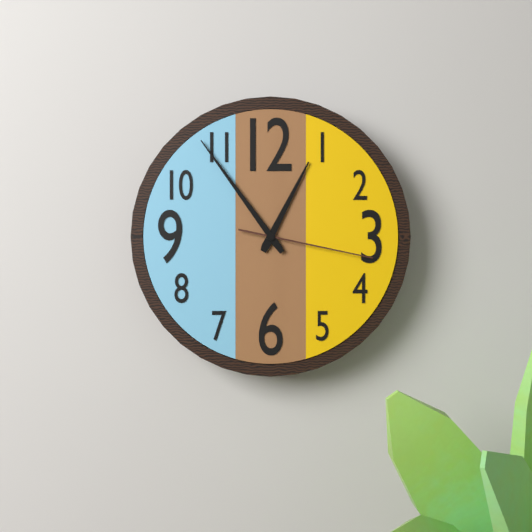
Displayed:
12.54.17
